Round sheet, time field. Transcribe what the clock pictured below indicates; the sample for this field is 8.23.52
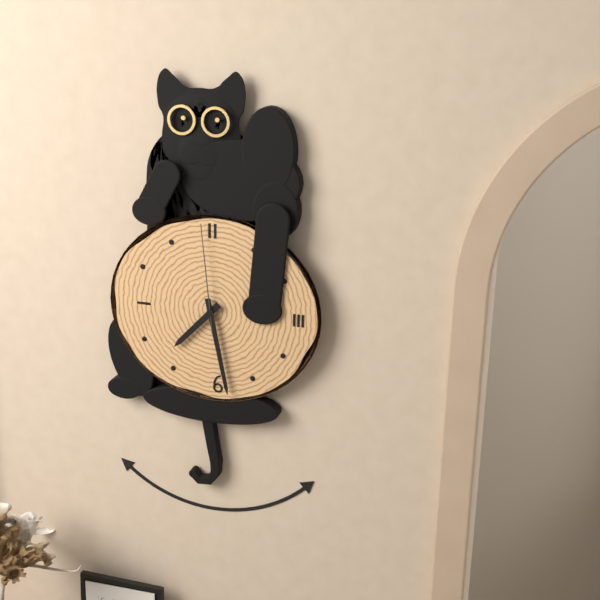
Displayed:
7.28.59
